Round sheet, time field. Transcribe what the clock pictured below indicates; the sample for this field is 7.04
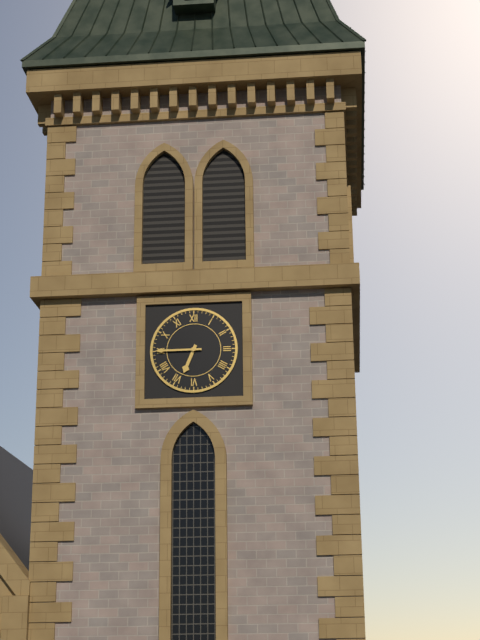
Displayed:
6.45
